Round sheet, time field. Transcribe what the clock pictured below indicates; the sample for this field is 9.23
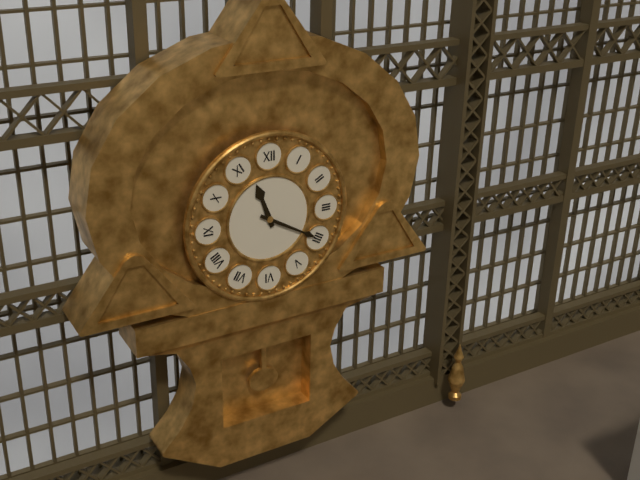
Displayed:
11.20
